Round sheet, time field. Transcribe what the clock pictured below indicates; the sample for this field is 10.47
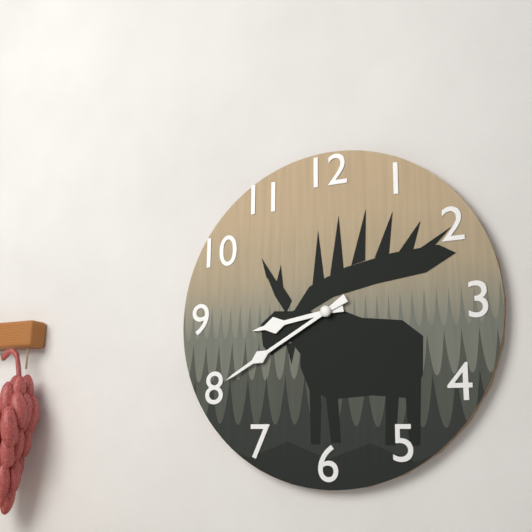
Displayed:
8.40
